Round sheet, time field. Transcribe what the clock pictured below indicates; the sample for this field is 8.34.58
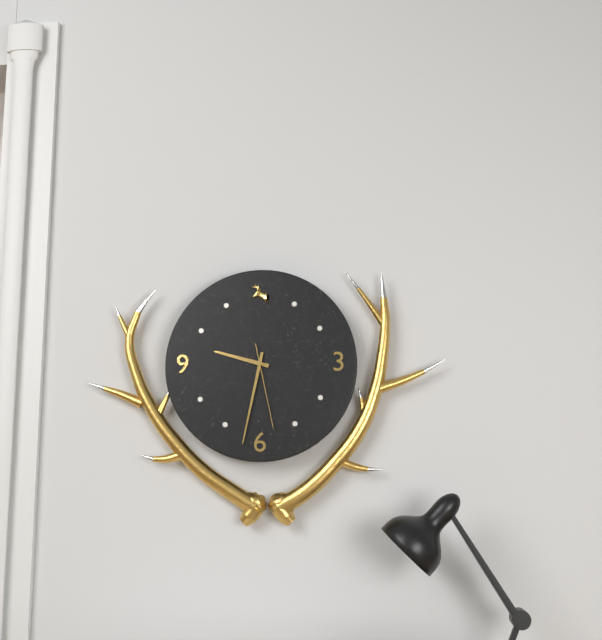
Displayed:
9.32.28
